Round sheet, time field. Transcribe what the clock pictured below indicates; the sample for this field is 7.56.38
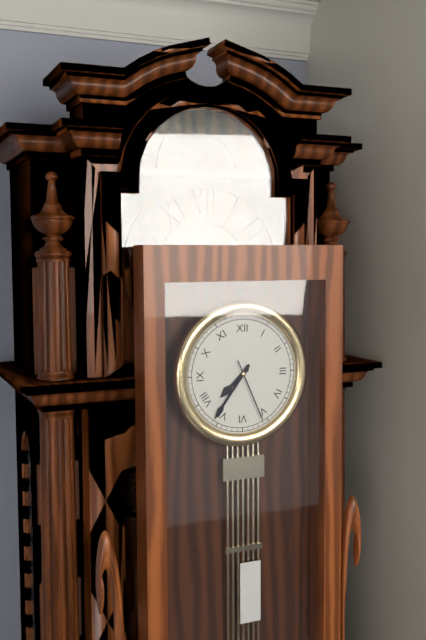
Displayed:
7.36.26
